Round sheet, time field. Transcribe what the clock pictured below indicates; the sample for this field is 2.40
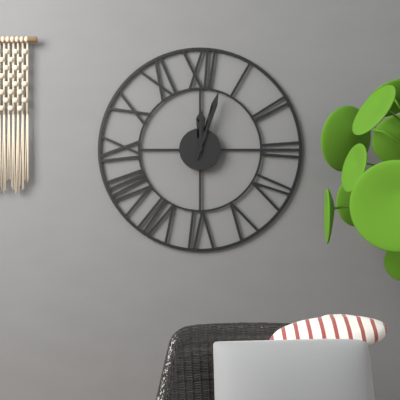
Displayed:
12.03
